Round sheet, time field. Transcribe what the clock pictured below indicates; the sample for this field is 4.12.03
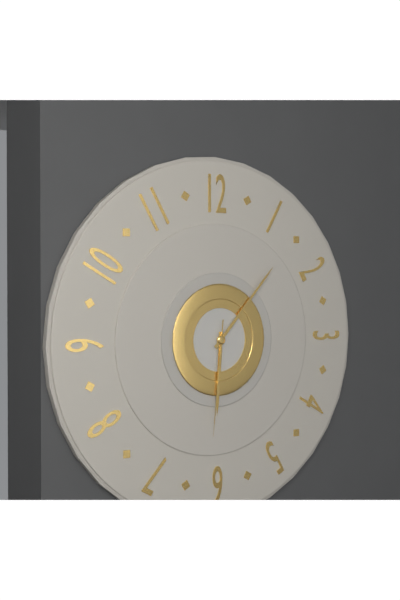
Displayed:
6.07.31
